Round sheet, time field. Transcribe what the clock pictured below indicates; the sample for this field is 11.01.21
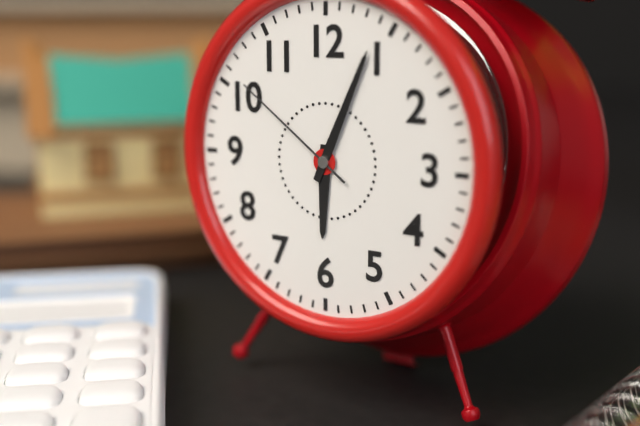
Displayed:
6.04.51
